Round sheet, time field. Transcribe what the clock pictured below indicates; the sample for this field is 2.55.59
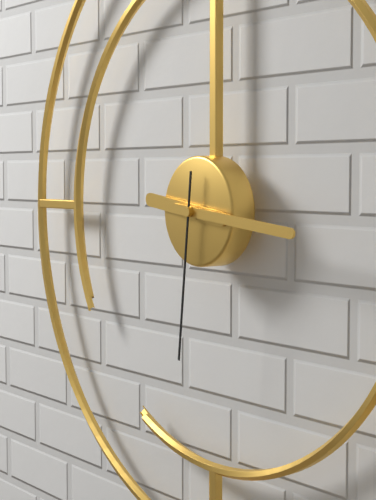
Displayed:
9.16.31
